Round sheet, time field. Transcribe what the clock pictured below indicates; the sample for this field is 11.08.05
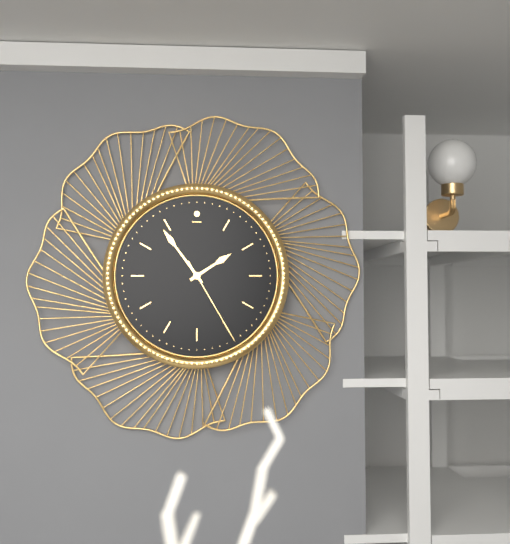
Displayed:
1.54.25
